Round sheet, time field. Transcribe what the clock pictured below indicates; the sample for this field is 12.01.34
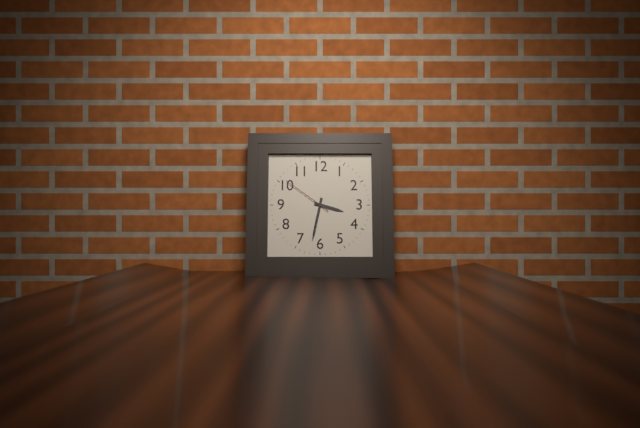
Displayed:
3.32.51
